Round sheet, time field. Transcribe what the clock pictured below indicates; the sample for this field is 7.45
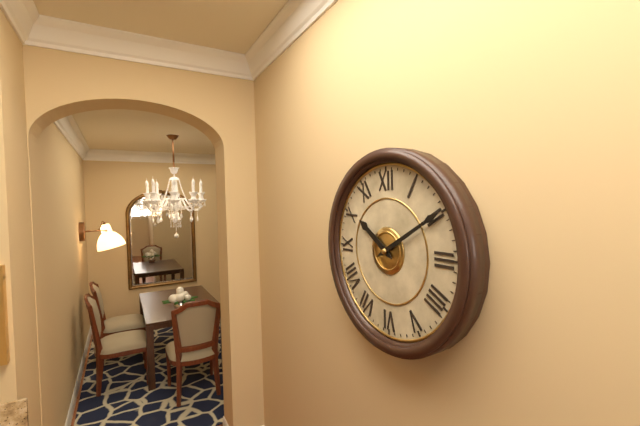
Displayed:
10.10
